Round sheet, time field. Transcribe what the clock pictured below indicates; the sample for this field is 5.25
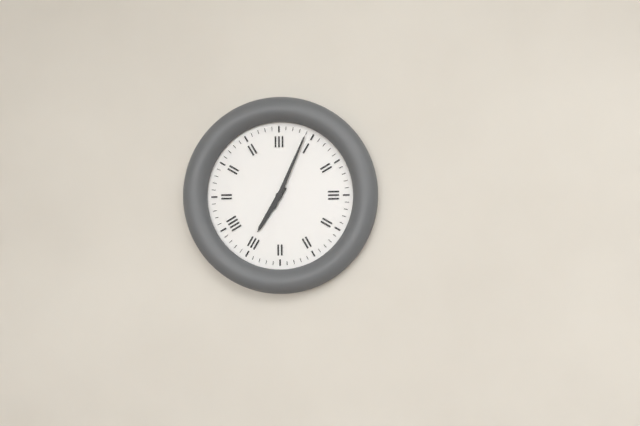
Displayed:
7.04
